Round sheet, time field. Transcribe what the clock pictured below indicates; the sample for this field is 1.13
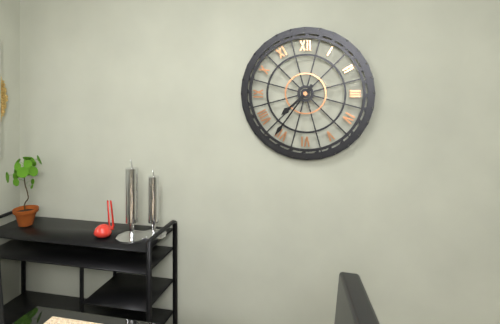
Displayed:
7.36
